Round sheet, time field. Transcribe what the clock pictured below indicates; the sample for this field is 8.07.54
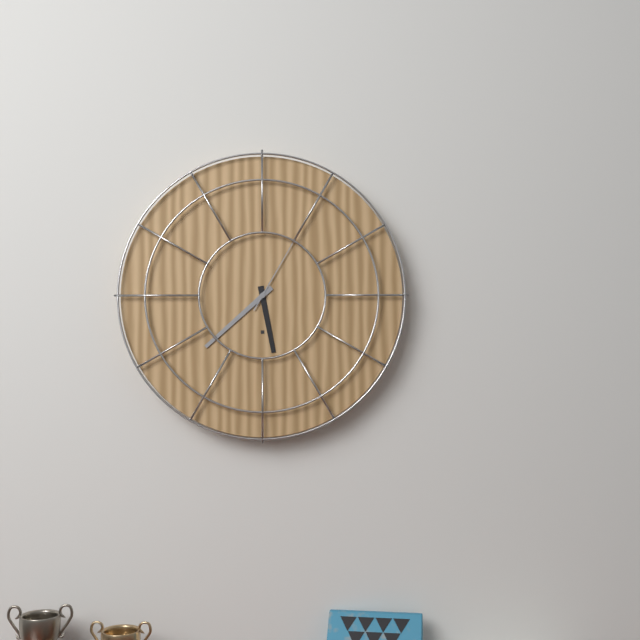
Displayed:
5.38.05
